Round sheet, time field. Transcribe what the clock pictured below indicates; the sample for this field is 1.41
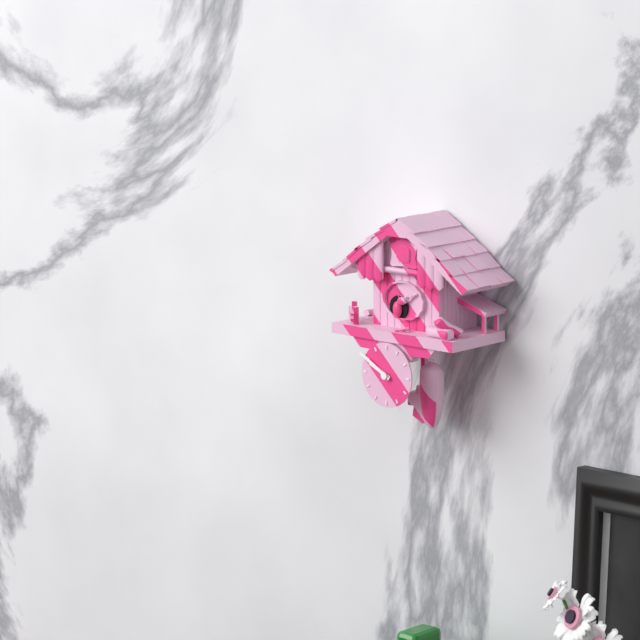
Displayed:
9.50
